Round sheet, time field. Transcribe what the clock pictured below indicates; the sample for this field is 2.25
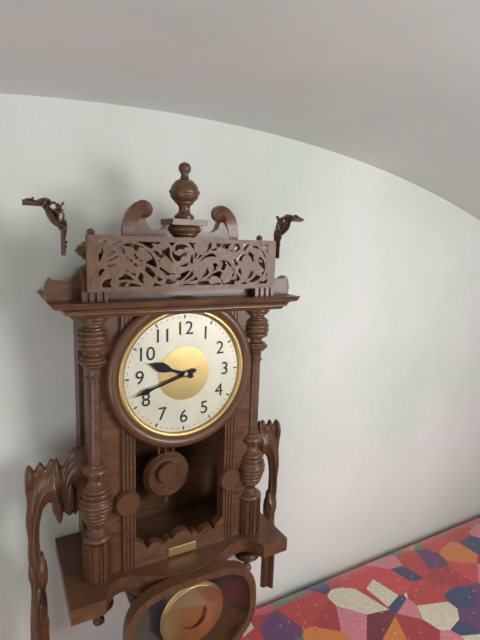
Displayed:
9.42
